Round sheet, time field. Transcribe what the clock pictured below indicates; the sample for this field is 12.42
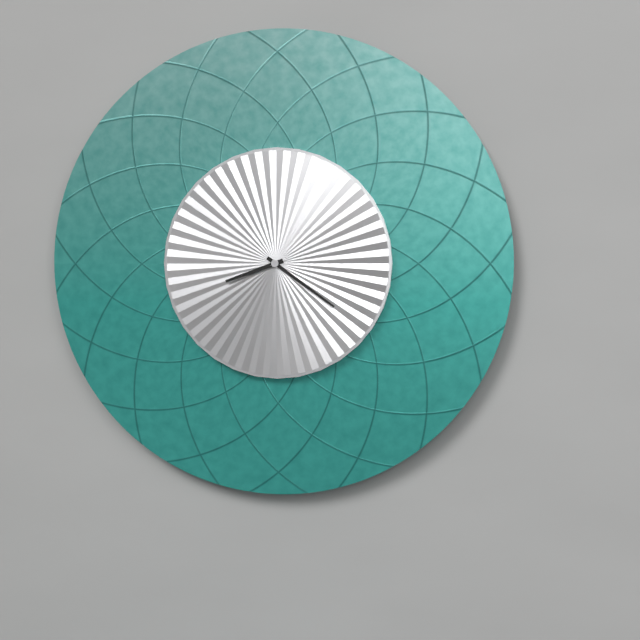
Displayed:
8.21
